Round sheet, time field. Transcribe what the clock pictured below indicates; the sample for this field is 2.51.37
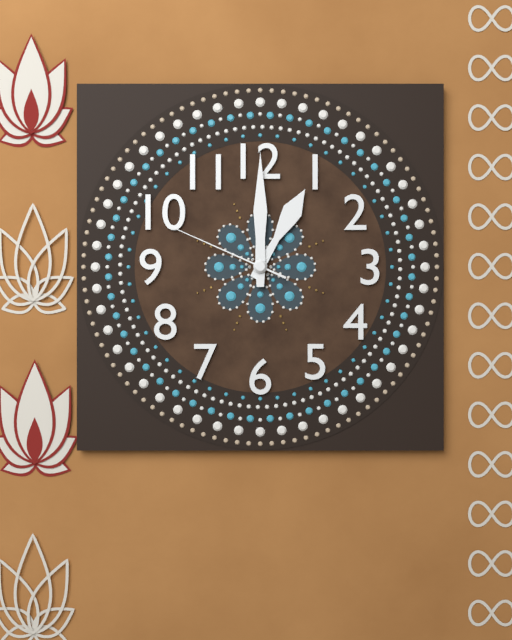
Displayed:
1.00.49
